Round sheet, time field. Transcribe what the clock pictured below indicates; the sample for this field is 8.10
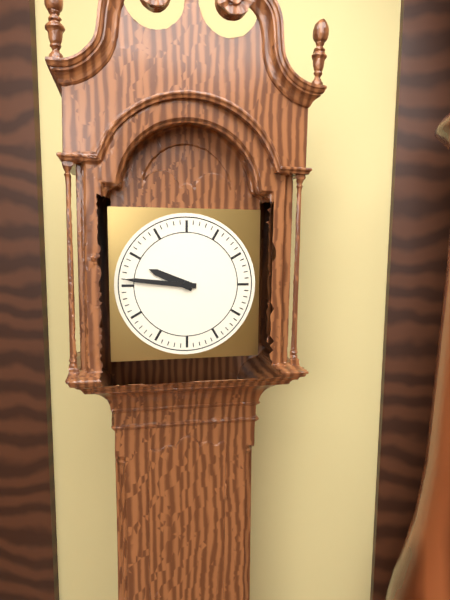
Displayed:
9.46
